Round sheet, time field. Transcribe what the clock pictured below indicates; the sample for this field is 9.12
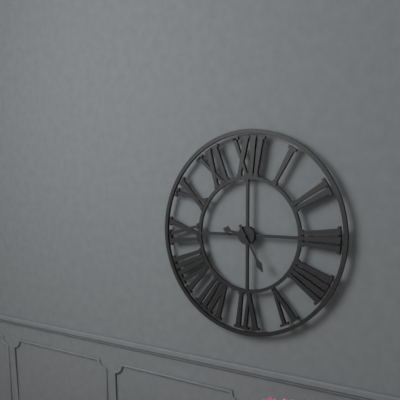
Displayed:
9.25
